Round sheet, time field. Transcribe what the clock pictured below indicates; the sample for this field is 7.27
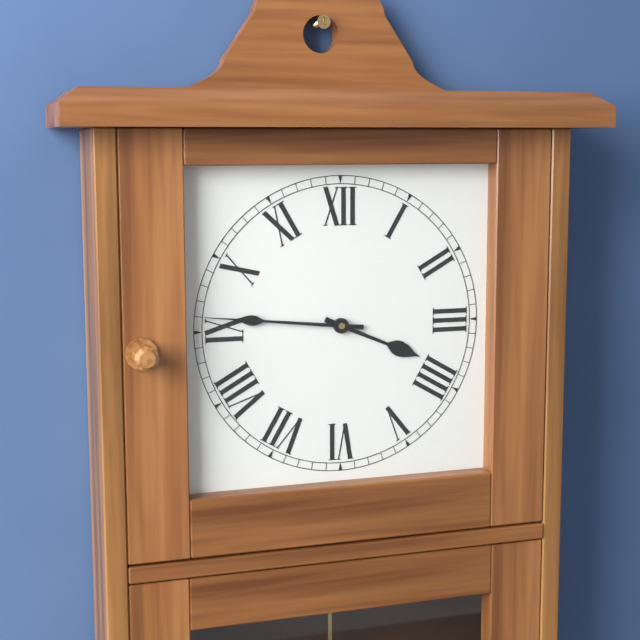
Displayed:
3.46
